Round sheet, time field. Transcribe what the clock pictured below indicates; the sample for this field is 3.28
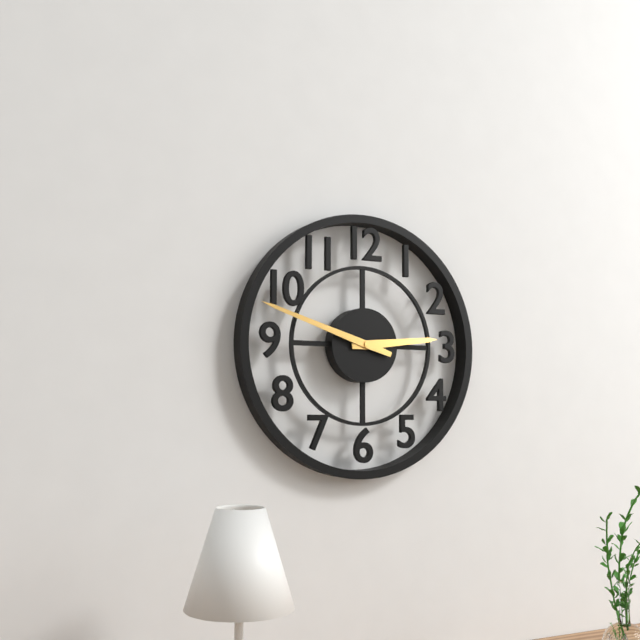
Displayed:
2.48
